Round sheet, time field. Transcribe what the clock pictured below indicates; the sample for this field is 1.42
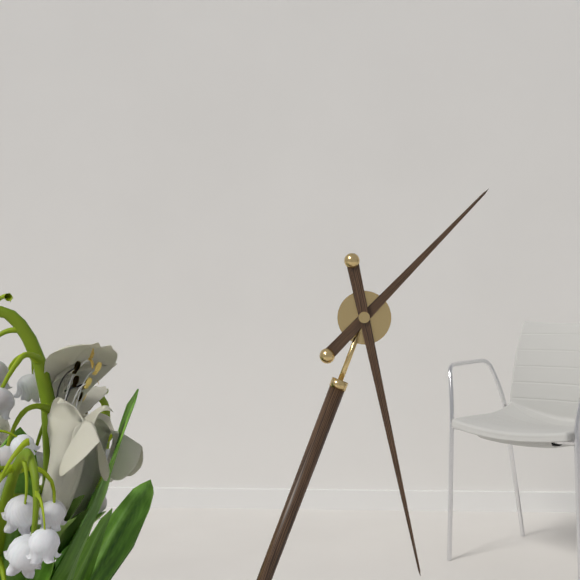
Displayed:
1.28
